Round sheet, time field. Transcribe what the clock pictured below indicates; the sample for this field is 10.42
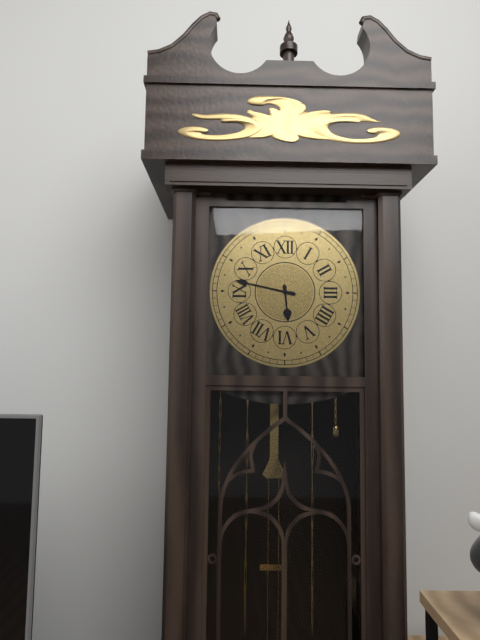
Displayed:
5.47
